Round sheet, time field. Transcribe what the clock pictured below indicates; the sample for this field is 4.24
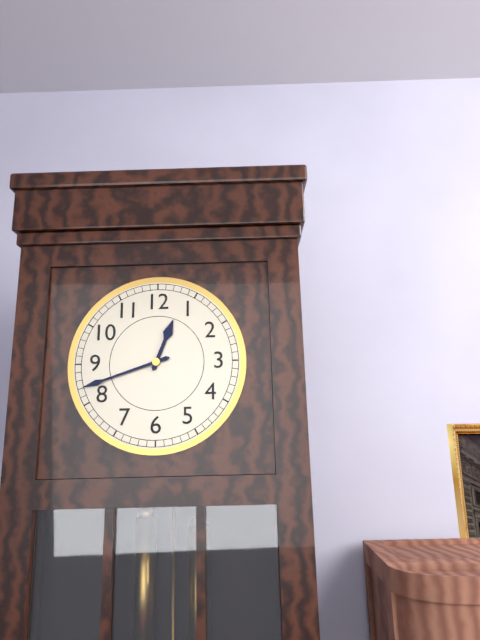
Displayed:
12.42
